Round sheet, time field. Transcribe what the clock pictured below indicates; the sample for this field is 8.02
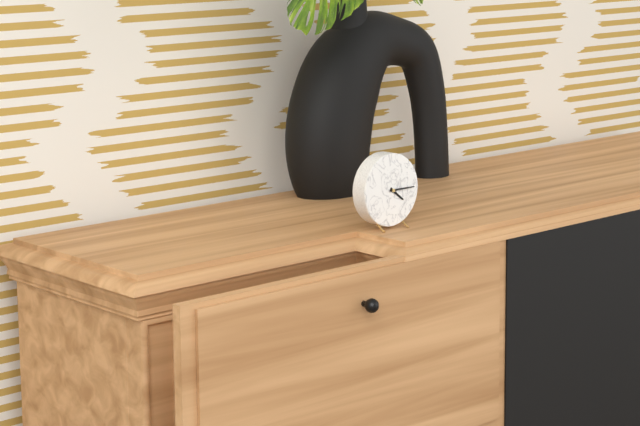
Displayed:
4.15
